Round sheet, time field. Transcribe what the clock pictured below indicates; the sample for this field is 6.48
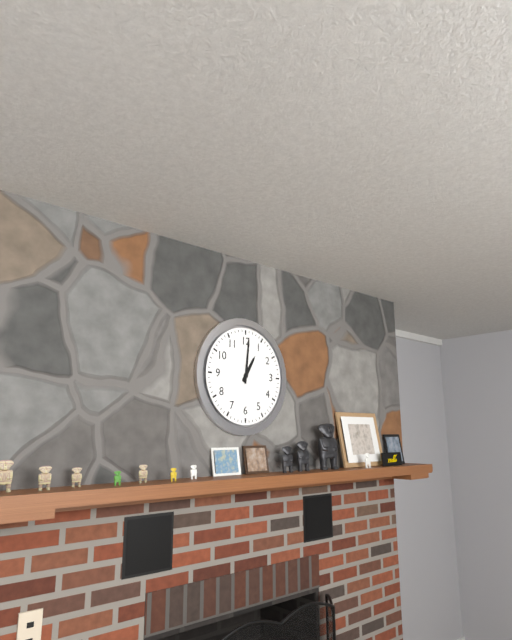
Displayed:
1.01
